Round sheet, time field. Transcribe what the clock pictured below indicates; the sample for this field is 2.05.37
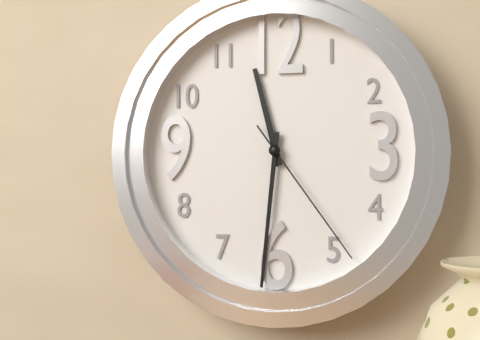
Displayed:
11.31.24
